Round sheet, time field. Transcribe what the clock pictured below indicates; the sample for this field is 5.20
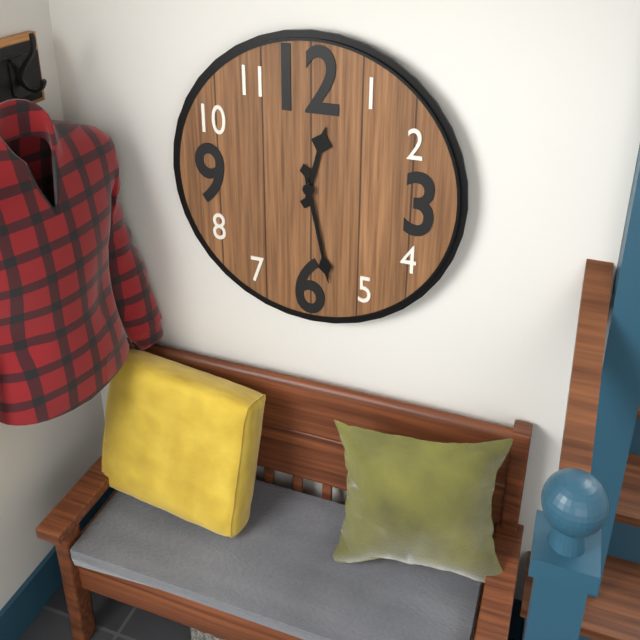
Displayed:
12.28
